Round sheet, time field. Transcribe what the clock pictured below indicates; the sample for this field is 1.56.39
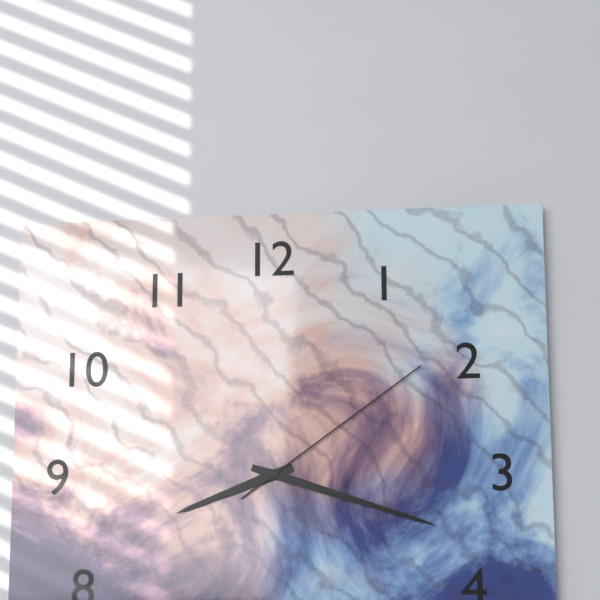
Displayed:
8.18.09
